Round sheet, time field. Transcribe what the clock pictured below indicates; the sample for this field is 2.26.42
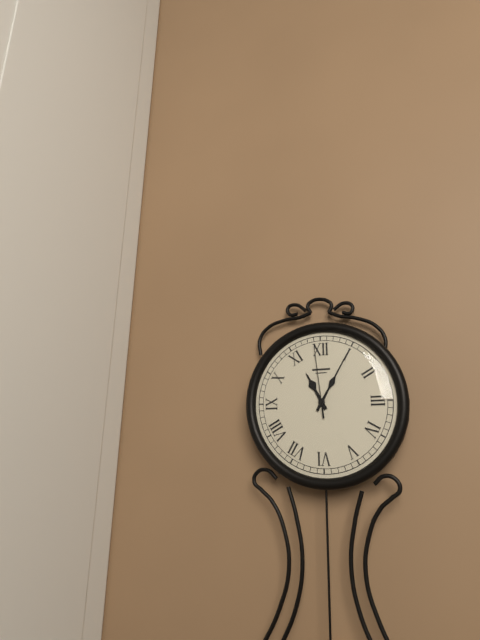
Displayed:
11.05.59
